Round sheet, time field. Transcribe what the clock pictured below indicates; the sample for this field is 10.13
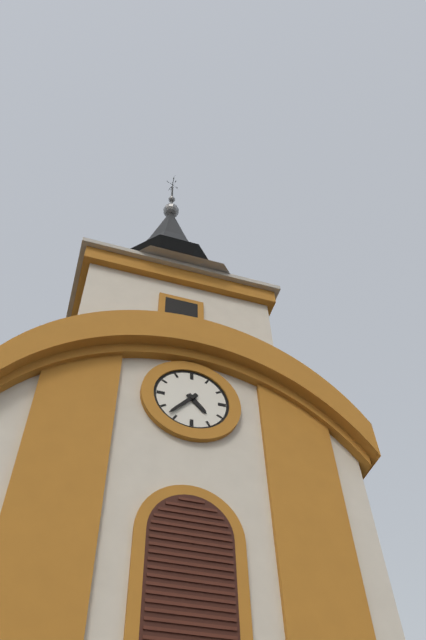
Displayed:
4.37
